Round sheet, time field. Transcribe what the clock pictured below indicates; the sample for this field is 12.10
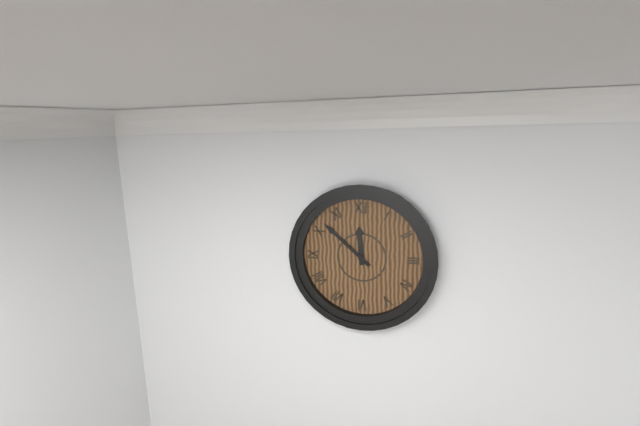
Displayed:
11.52
